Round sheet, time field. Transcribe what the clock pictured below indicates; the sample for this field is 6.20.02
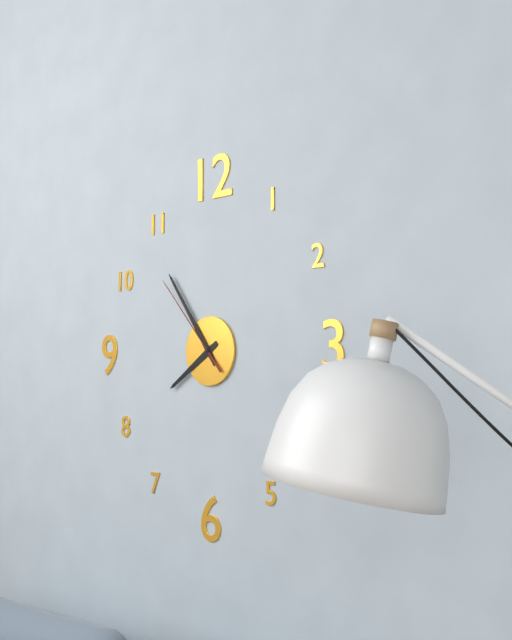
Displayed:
7.54.53
